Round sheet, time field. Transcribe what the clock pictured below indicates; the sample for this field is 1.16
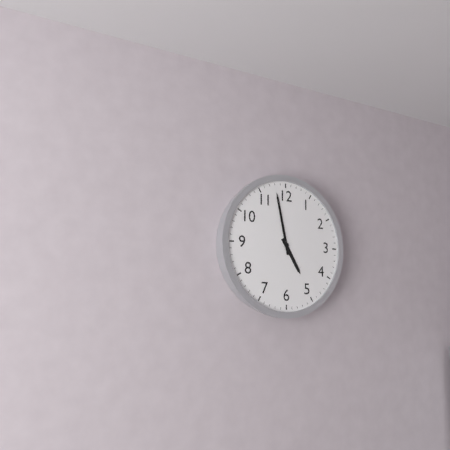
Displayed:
4.58
